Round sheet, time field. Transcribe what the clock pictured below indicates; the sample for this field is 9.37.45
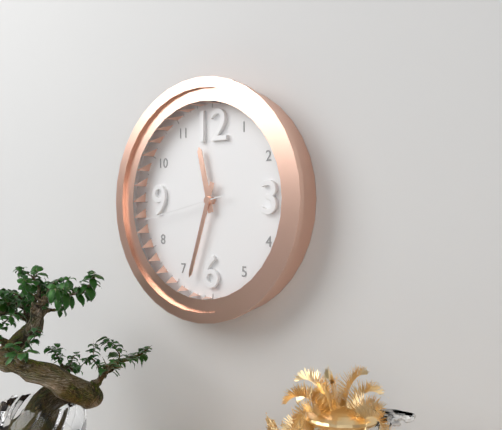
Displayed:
11.33.43
